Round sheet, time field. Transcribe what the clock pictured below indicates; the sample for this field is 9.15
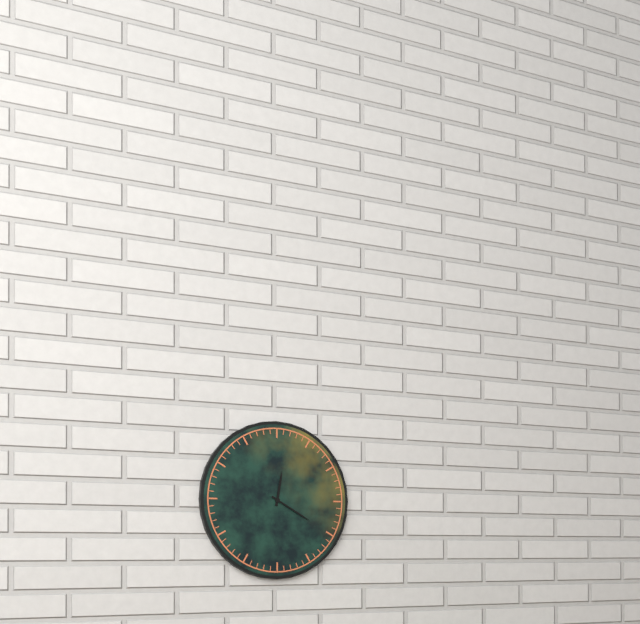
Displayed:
12.20
